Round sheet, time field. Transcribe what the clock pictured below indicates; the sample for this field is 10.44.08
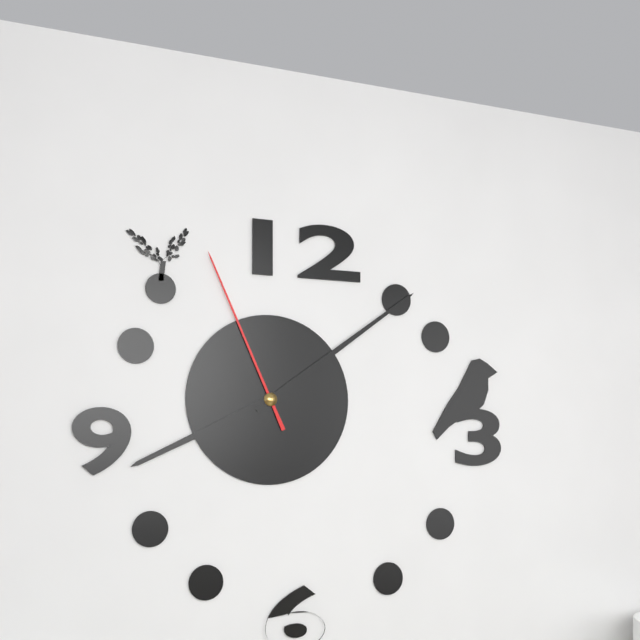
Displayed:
8.09.56
